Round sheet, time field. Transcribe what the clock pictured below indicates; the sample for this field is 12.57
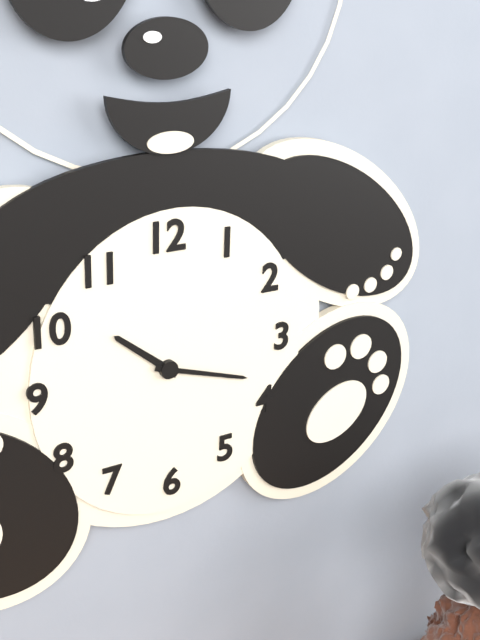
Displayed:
10.18
